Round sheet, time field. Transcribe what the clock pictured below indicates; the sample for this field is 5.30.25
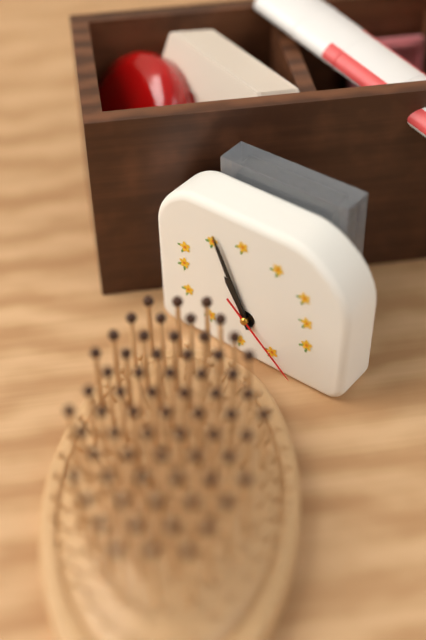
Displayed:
10.56.22
